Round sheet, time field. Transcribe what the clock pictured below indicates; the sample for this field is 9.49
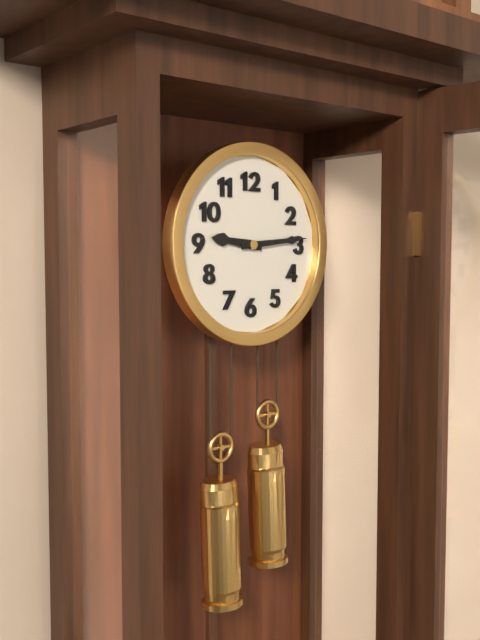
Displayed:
9.14
